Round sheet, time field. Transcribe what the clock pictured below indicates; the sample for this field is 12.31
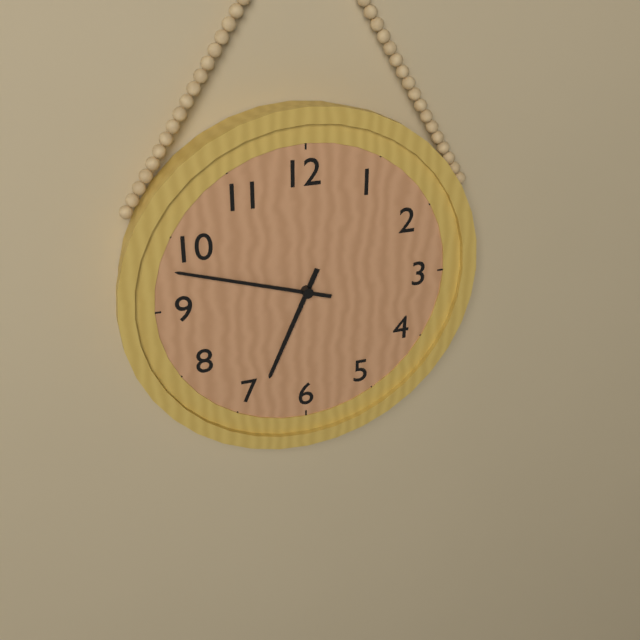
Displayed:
6.48
